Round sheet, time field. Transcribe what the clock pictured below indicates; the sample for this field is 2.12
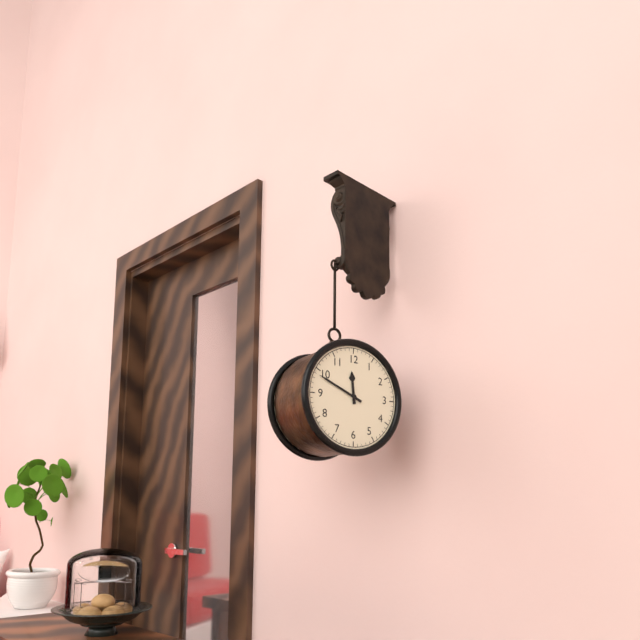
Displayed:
11.49
